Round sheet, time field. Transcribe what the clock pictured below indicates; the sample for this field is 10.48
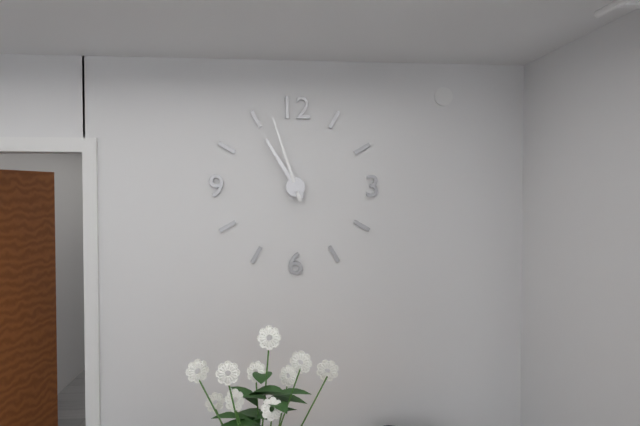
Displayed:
10.57
